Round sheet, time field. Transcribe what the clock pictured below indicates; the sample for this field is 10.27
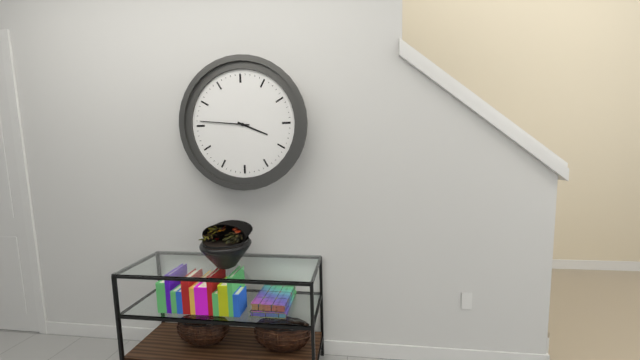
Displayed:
3.46
